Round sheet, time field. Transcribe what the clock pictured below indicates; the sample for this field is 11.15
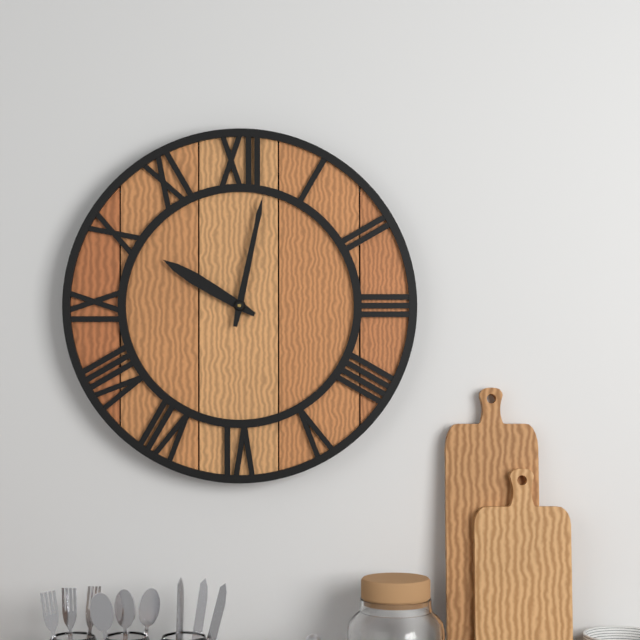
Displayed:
10.02
